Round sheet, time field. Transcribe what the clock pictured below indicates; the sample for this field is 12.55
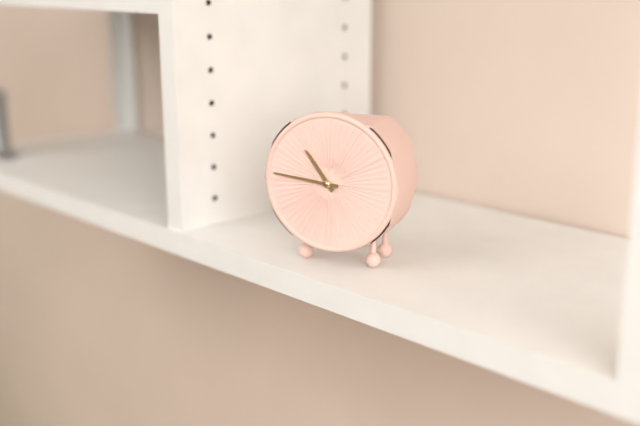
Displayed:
10.46
